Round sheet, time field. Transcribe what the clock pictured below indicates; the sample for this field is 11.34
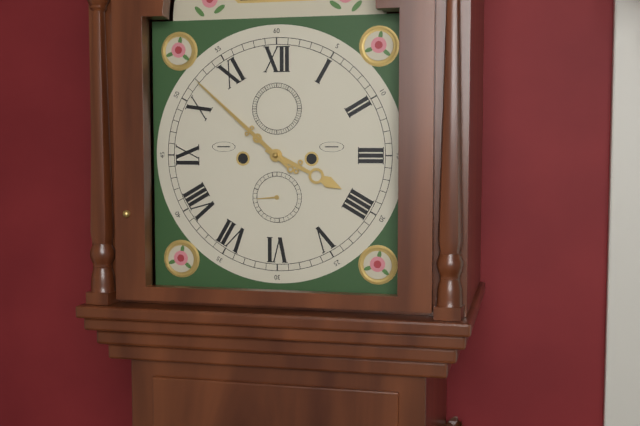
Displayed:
3.52
